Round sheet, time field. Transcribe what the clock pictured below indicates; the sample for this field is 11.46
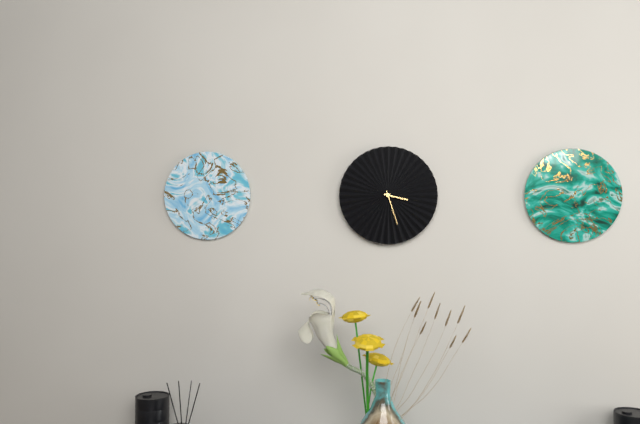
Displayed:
3.27
